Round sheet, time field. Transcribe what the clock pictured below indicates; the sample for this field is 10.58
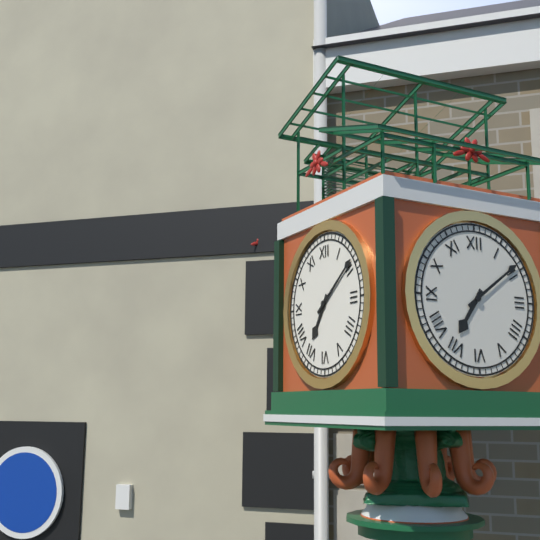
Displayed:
7.09
